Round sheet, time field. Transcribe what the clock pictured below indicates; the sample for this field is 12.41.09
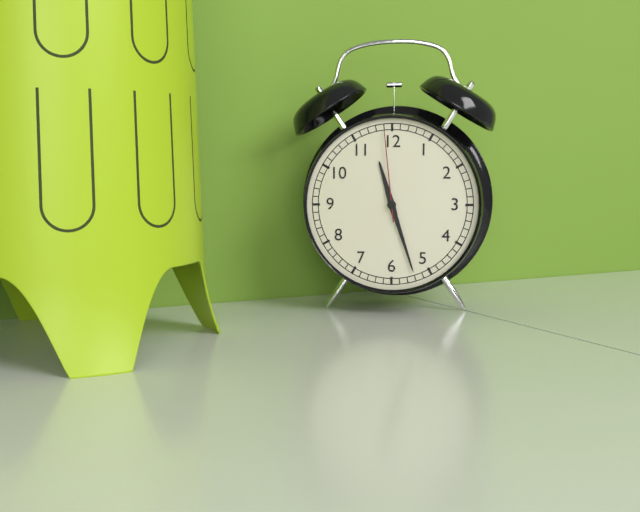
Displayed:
11.27.59
